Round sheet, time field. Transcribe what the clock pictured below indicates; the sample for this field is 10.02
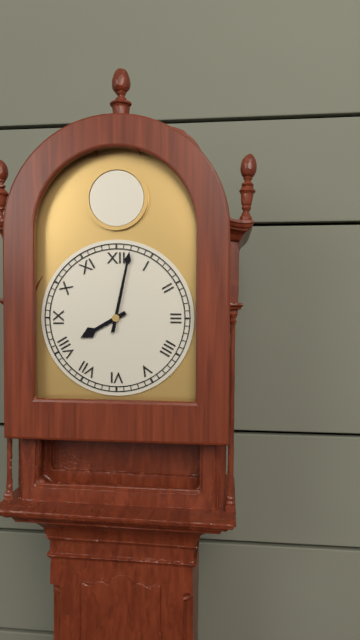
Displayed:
8.02
